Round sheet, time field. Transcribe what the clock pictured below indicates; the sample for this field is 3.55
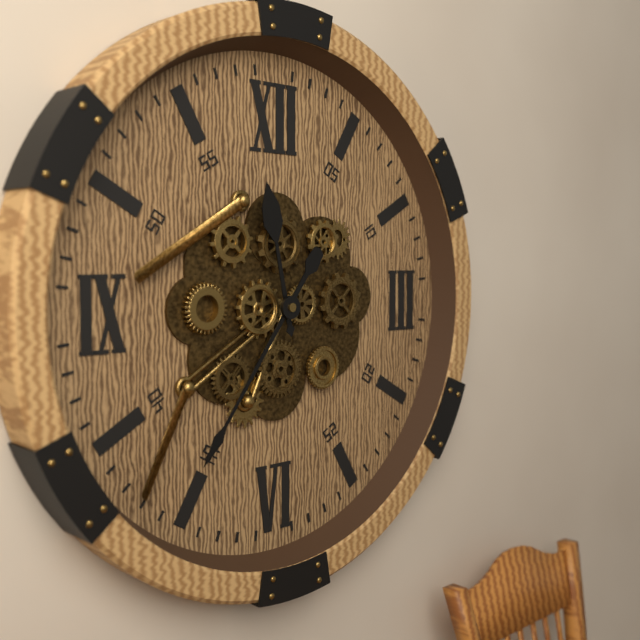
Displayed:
11.36
